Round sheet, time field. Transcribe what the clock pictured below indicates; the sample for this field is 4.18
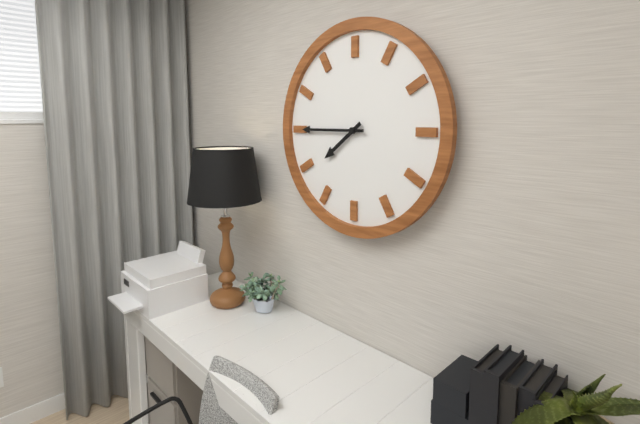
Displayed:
7.45
